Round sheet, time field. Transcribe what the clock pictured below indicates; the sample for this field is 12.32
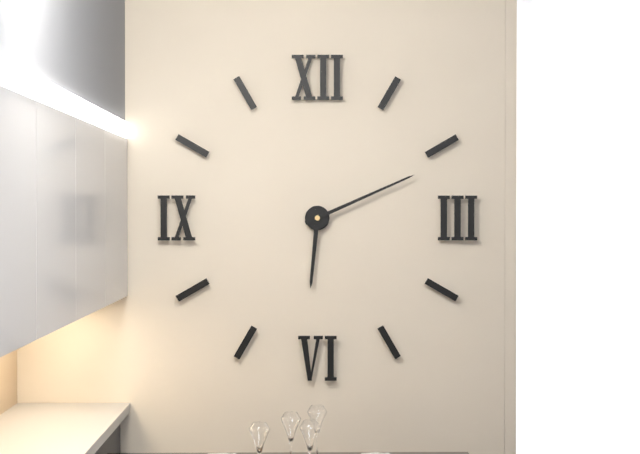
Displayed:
6.11
